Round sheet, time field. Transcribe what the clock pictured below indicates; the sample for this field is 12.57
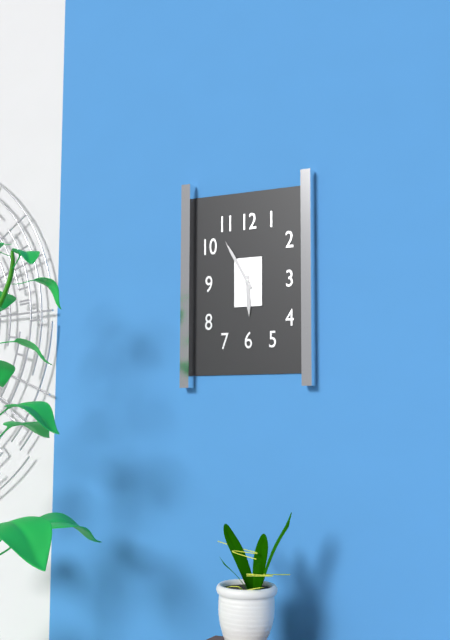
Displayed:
5.55
